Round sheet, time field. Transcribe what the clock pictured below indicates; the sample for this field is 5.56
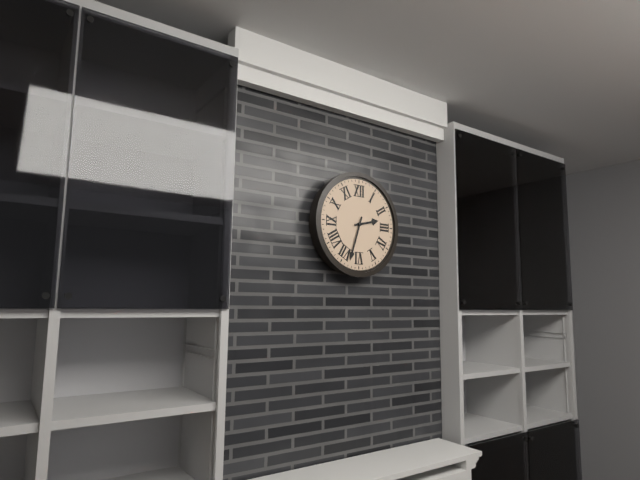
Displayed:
2.33
